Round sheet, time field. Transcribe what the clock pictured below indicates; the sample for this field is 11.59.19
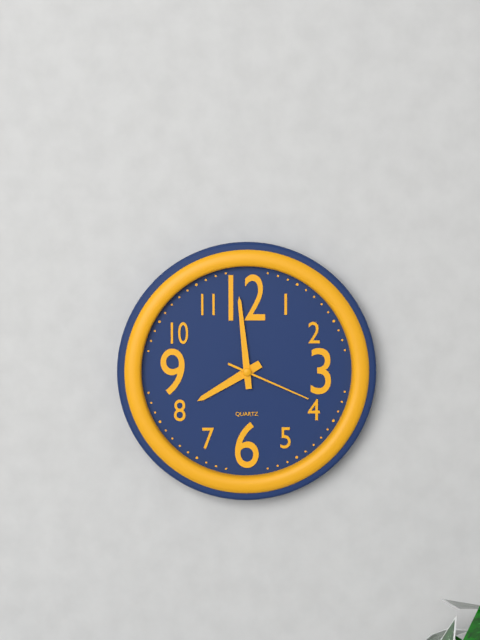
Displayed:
7.59.19
